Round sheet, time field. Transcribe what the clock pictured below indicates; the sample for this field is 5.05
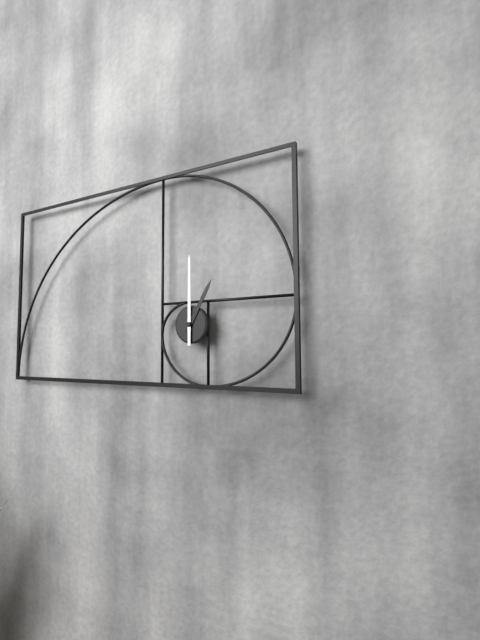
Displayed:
1.00
